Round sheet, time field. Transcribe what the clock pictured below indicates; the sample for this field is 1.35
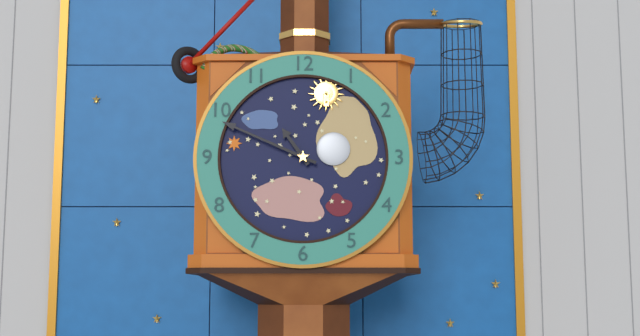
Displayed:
10.49
